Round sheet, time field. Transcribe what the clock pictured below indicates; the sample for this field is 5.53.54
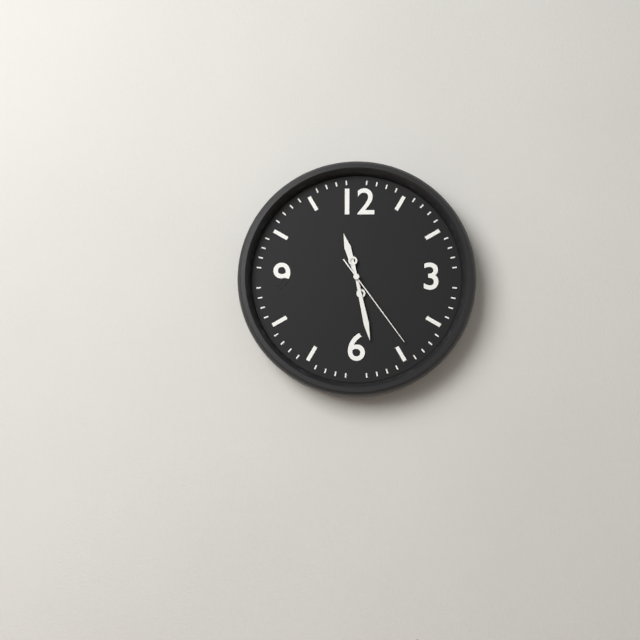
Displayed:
11.28.24
